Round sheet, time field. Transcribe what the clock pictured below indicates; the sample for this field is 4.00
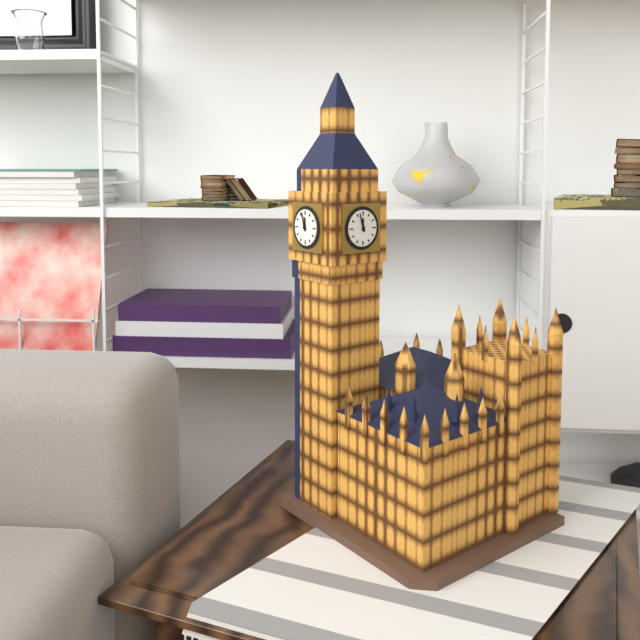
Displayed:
11.57
